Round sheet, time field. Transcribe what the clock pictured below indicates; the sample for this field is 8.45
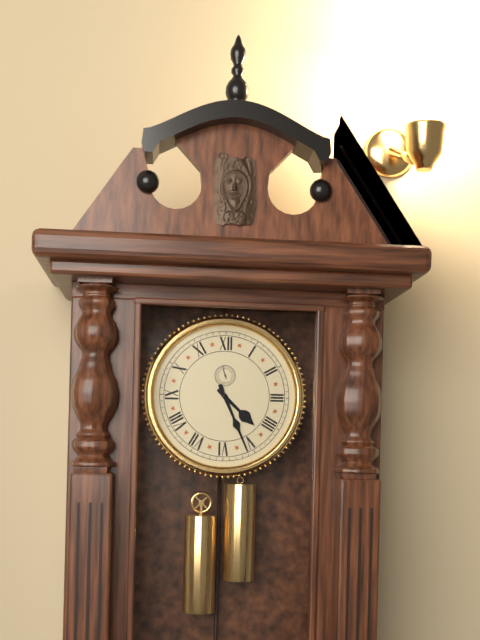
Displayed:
4.26
